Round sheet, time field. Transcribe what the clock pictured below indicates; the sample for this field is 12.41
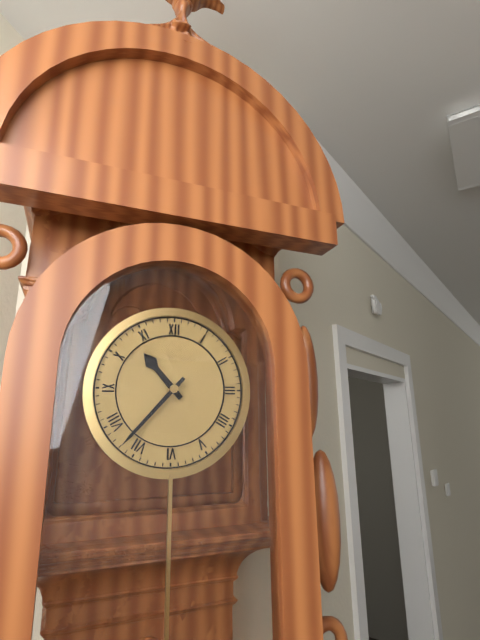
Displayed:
10.37
